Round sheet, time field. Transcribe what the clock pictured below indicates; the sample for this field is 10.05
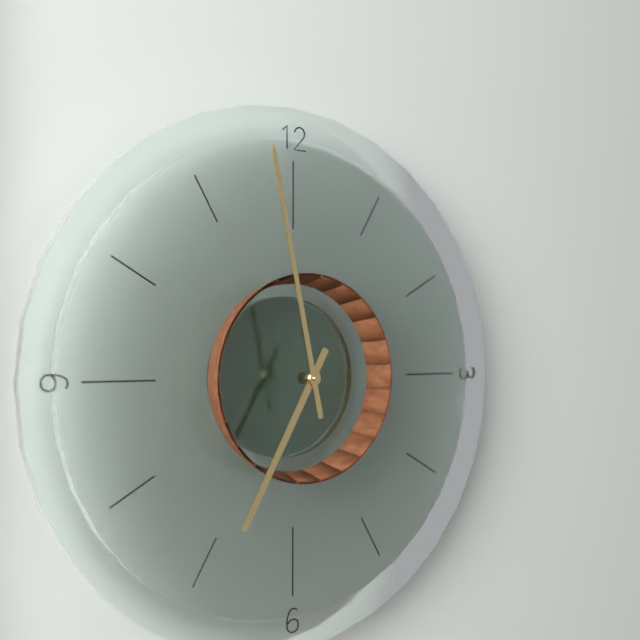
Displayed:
6.58
